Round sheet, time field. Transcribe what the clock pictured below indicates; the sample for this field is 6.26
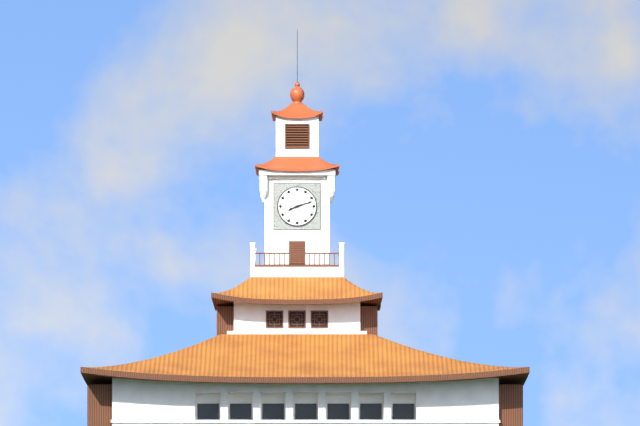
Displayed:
8.12
